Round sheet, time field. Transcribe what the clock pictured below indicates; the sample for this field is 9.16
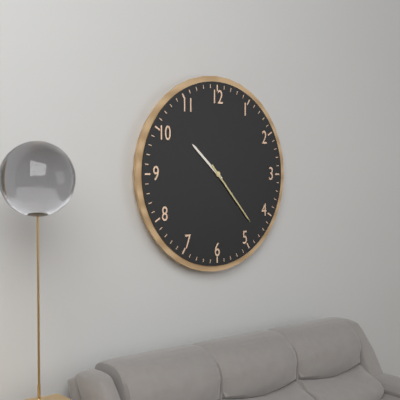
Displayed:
10.23
